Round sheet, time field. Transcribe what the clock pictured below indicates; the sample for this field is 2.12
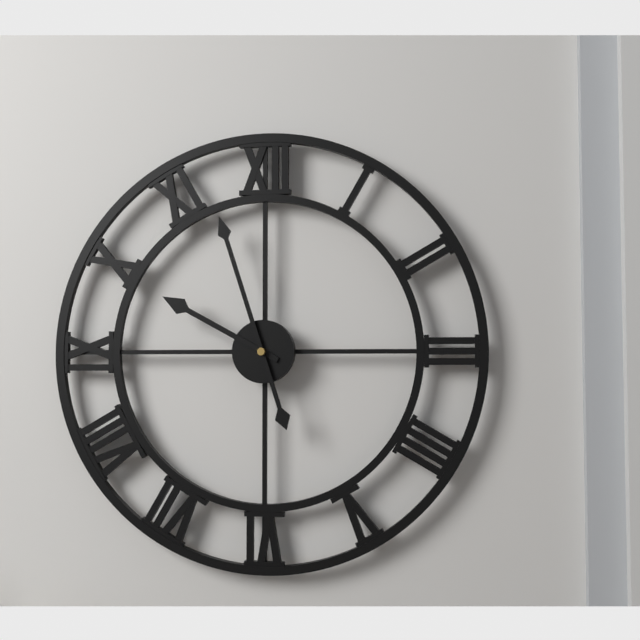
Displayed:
9.57
